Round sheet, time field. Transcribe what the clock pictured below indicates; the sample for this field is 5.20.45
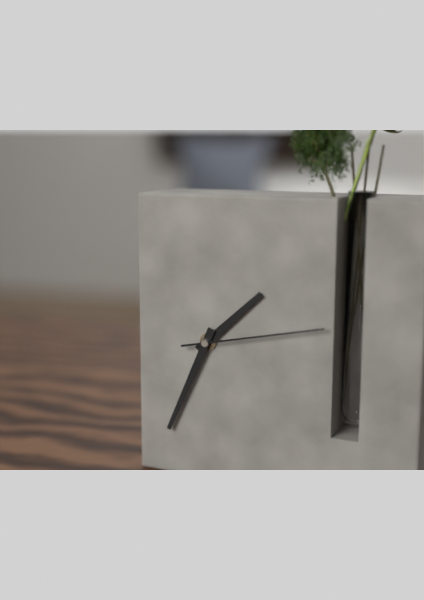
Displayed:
1.34.13
